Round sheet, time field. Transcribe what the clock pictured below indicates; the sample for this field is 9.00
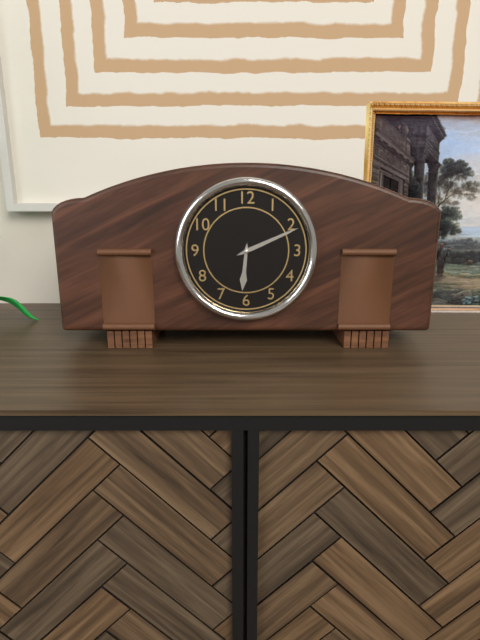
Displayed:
6.11
